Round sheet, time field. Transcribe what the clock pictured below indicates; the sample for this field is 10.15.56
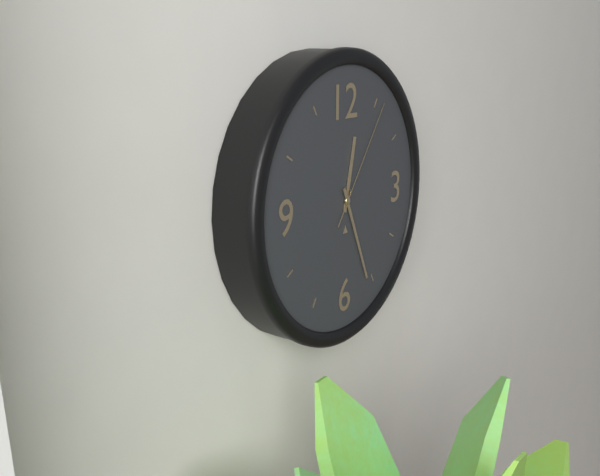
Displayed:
12.26.06
